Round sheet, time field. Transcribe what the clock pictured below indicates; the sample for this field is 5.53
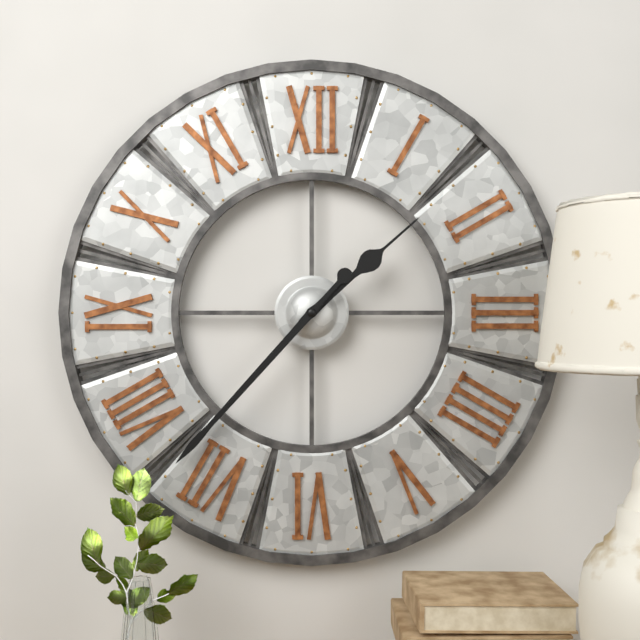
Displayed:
1.37
